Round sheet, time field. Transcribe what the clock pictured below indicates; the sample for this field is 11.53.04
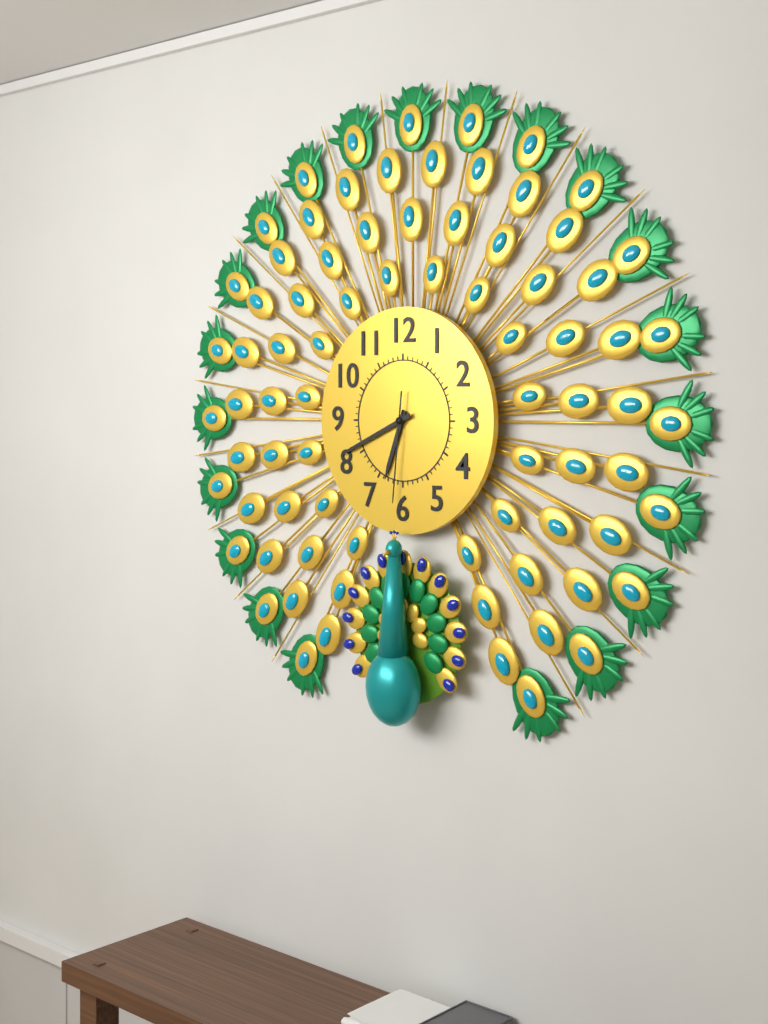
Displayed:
6.41.31
